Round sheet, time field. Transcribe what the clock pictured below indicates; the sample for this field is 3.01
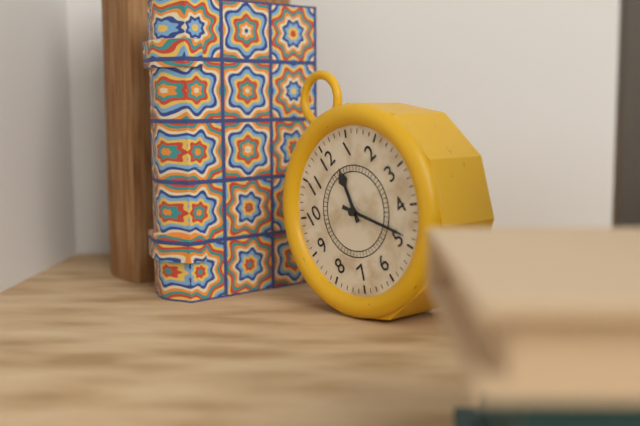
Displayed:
12.24
